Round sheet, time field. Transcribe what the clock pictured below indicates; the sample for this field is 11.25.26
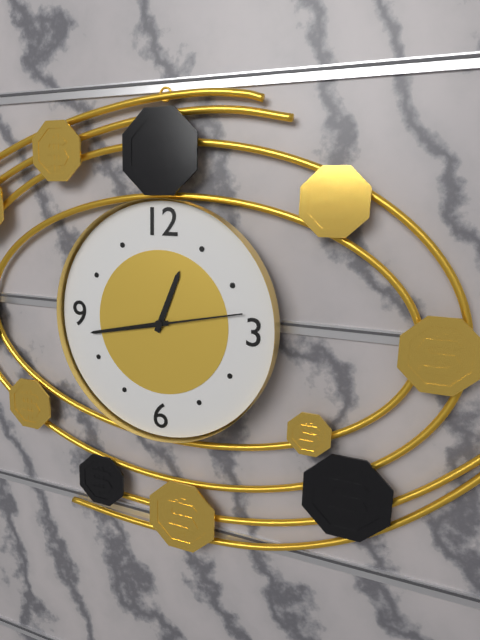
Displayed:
12.43.13
